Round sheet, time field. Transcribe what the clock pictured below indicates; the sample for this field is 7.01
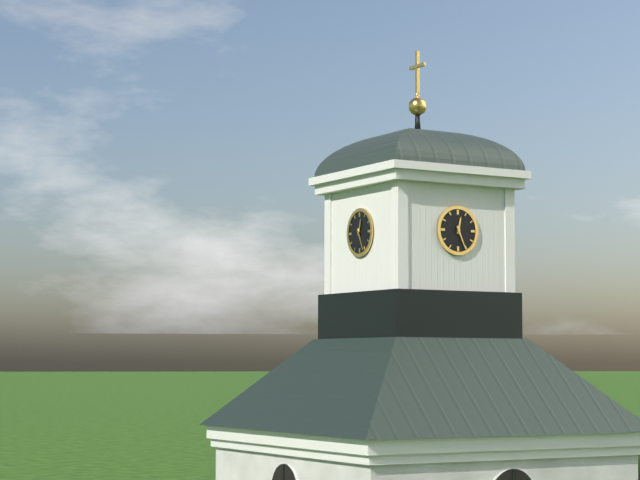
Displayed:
12.26
